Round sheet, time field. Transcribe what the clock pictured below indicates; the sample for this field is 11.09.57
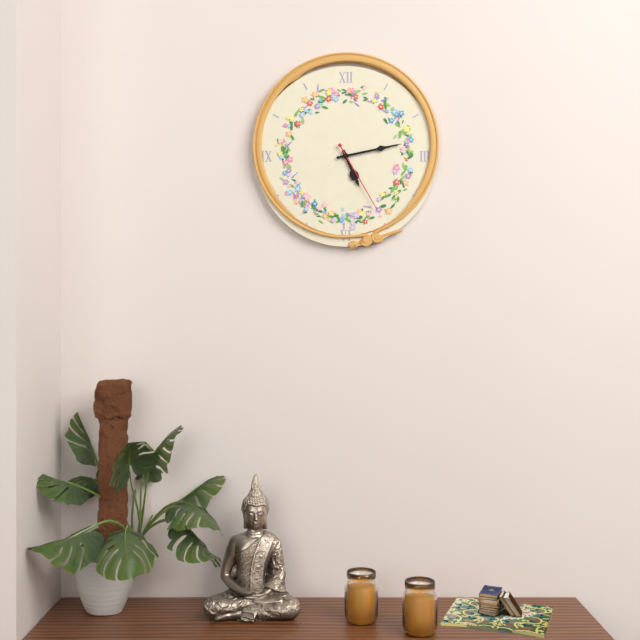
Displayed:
5.13.25
